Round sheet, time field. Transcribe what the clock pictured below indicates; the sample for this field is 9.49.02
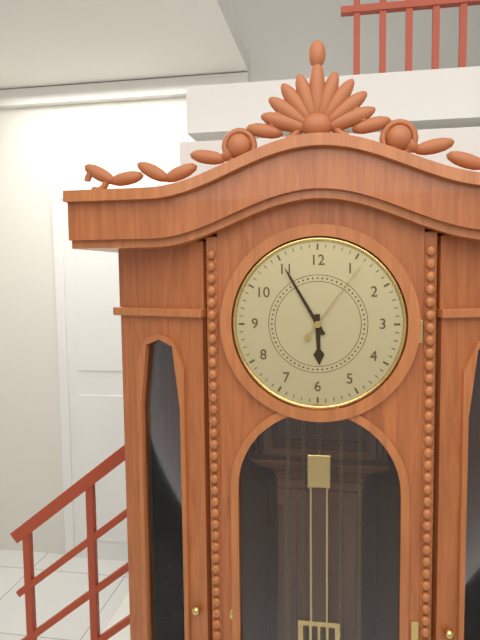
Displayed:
5.55.06
